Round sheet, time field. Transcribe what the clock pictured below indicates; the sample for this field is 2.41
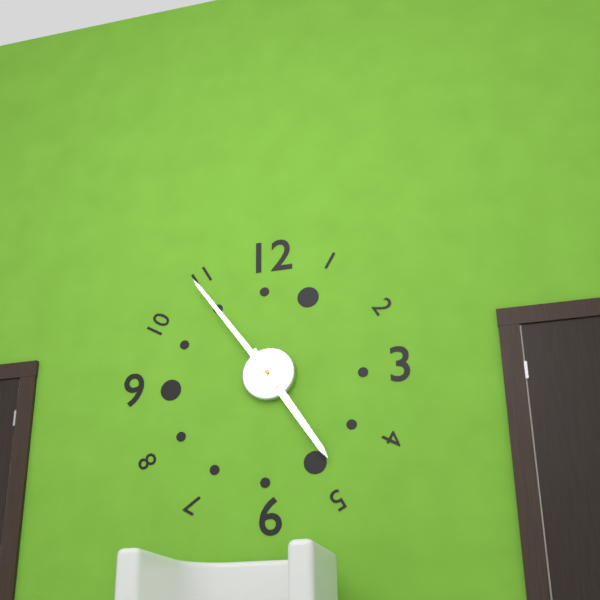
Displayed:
4.54
